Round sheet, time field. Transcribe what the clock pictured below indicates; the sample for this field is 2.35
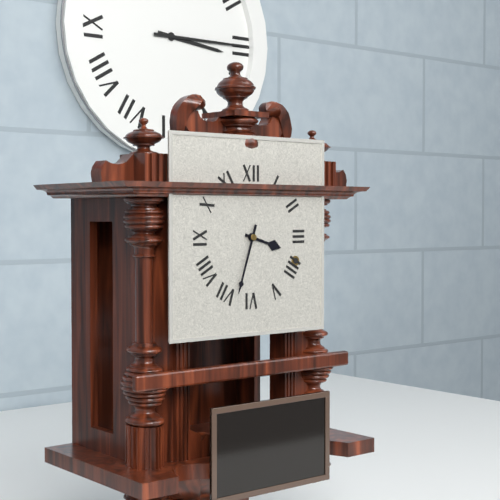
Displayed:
3.33
